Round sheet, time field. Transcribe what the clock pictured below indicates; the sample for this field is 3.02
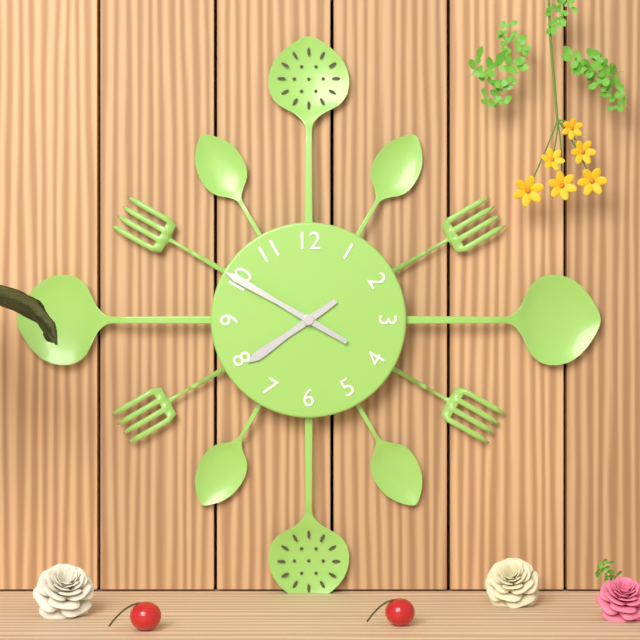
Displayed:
7.50
